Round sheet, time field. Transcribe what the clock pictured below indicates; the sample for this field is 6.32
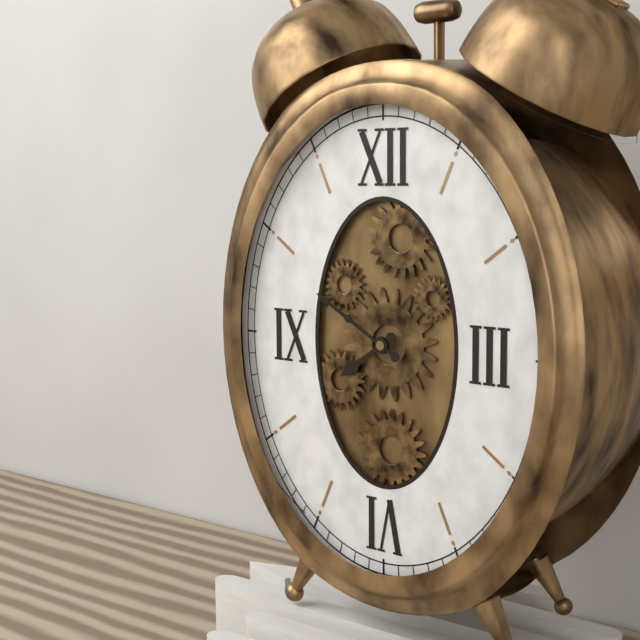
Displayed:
7.50
